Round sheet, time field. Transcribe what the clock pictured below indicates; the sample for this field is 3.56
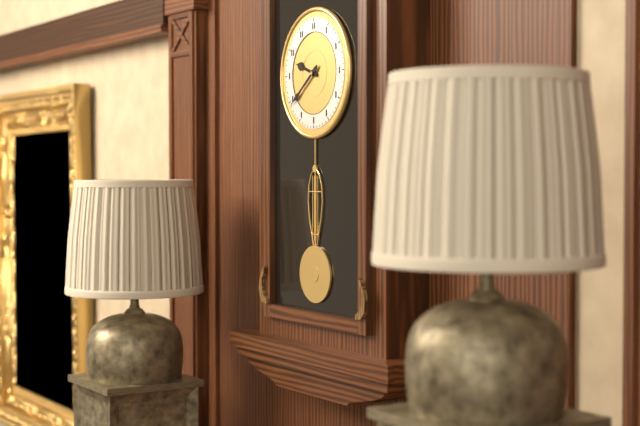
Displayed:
9.39
